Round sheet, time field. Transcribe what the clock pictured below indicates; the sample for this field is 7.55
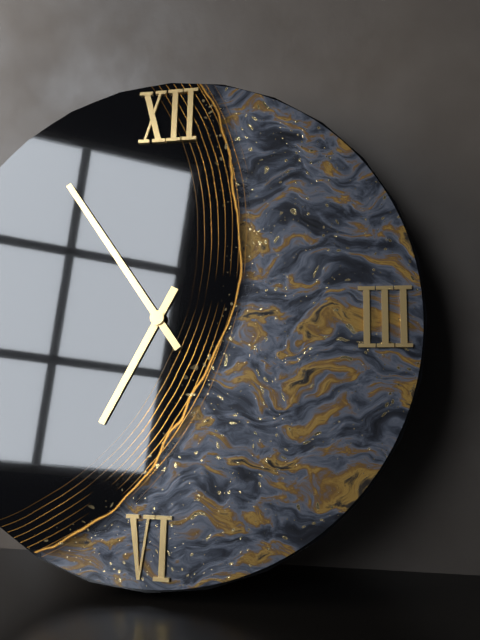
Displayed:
6.54
